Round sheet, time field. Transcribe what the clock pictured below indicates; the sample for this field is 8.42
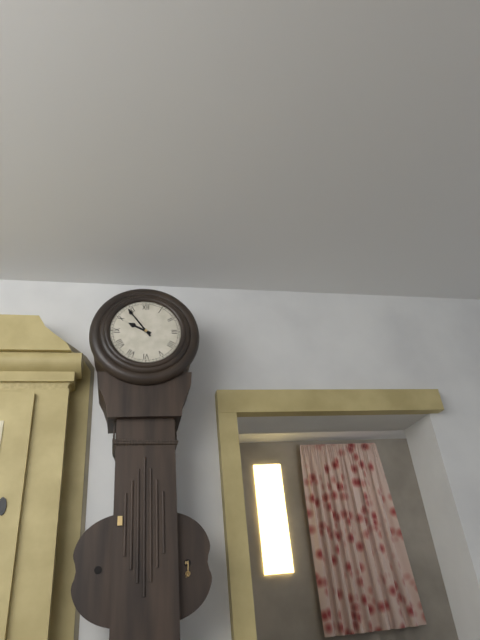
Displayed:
9.54
